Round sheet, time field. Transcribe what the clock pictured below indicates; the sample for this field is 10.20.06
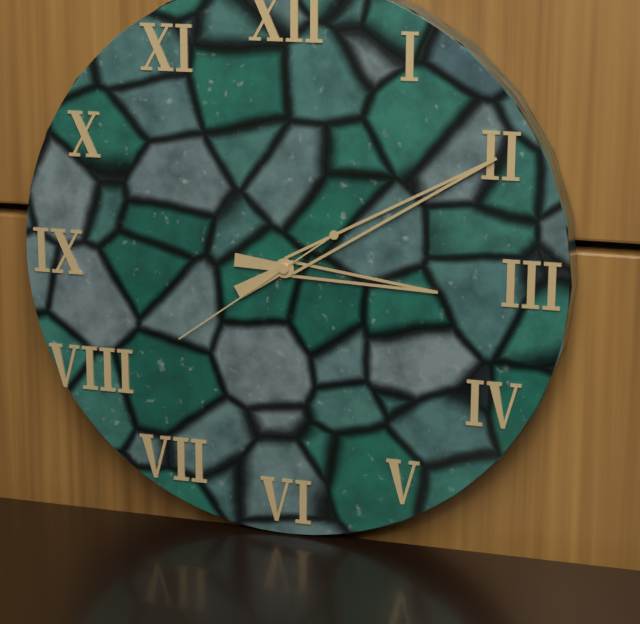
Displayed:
3.10.39
